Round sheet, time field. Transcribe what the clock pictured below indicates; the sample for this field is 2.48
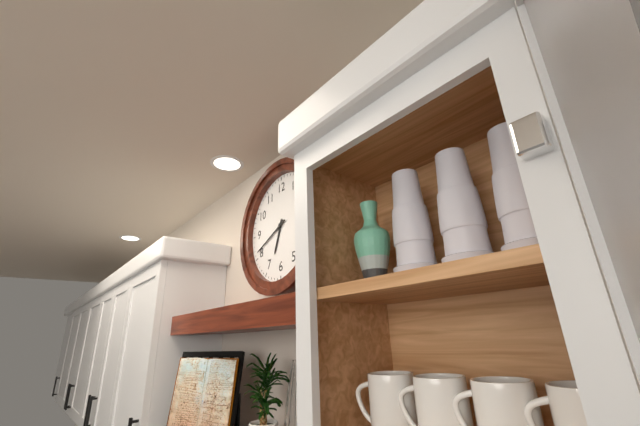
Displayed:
6.41
